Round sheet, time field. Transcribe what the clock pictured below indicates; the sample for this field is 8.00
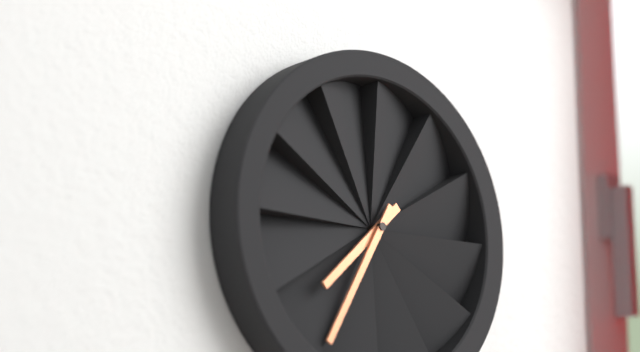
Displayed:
7.35
